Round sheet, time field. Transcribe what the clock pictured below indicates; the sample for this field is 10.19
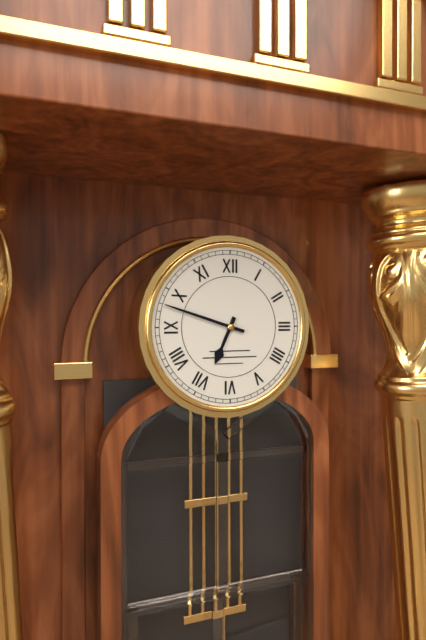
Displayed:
6.48
